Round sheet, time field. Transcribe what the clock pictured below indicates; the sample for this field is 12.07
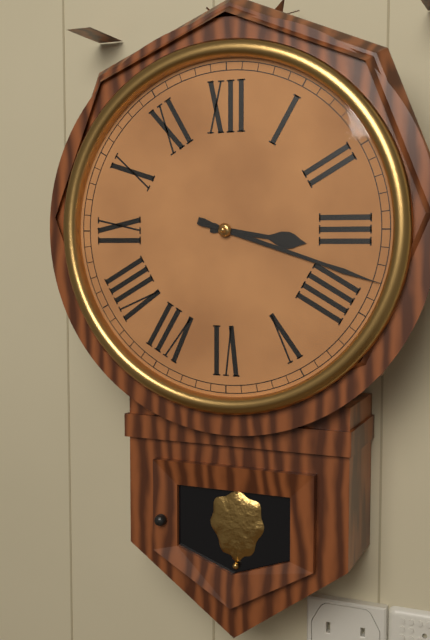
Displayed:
3.18
